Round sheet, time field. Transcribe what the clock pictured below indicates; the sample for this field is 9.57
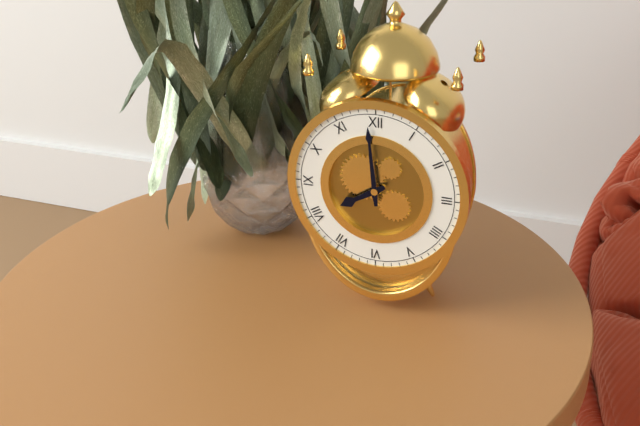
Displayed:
7.59
